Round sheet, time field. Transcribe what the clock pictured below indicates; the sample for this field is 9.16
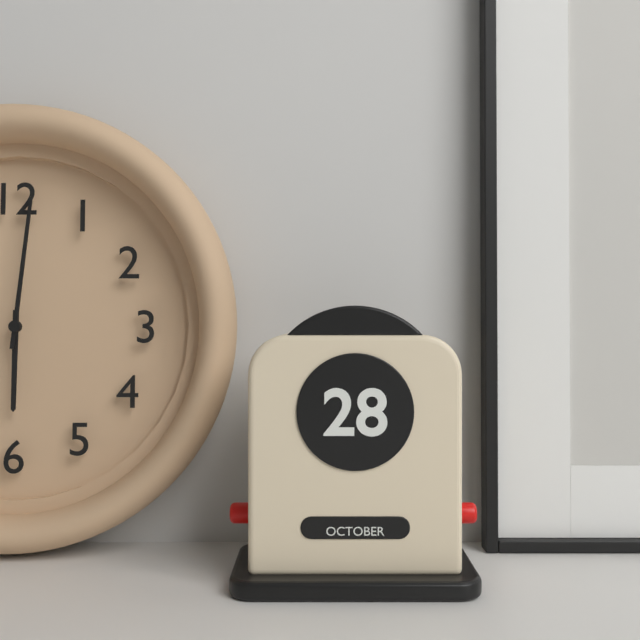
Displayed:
6.01
